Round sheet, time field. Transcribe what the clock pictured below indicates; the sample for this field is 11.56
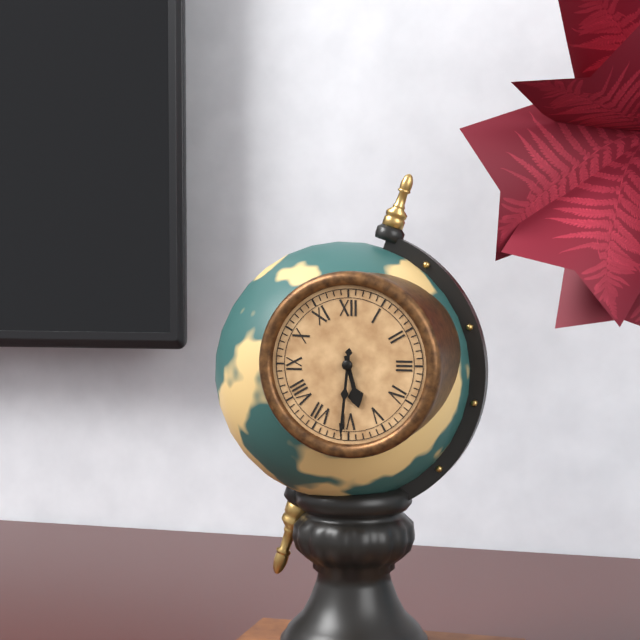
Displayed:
5.31
